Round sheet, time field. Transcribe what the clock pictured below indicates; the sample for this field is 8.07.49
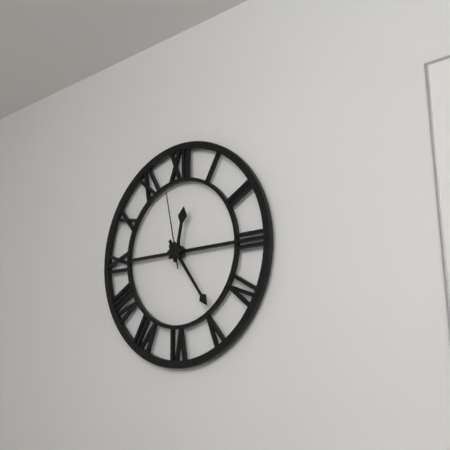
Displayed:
12.24.58
